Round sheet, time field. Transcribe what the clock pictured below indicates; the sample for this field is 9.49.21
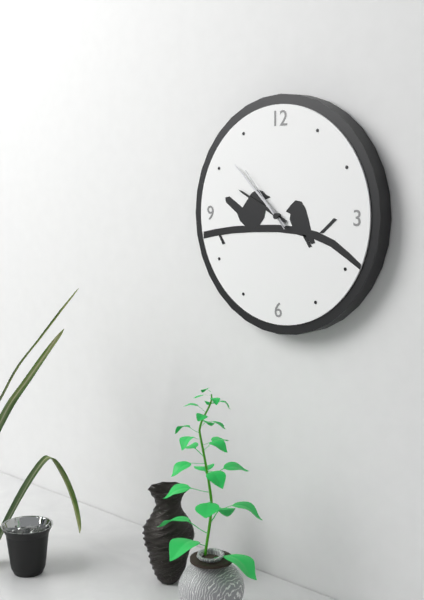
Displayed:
9.52.53
